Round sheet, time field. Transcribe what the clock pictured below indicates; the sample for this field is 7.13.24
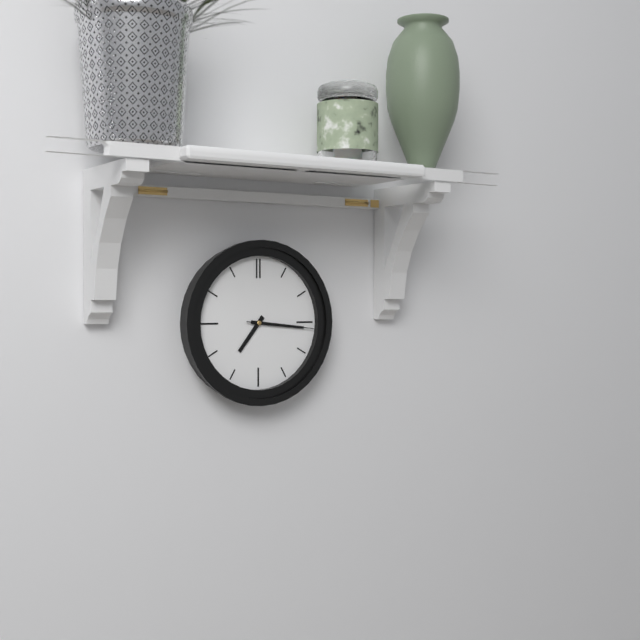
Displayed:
7.16.16
